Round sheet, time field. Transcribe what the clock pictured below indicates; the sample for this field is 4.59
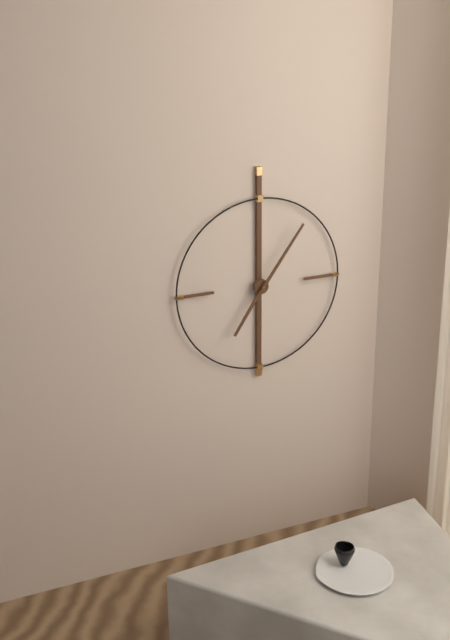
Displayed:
7.06
